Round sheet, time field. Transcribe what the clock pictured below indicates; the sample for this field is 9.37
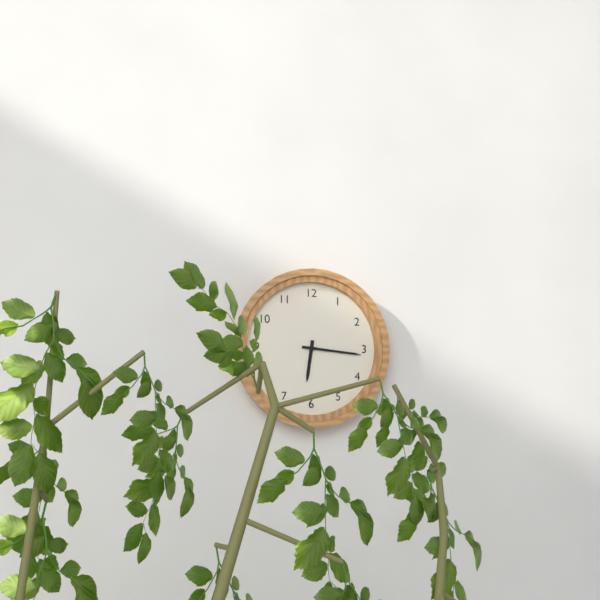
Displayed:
6.16
